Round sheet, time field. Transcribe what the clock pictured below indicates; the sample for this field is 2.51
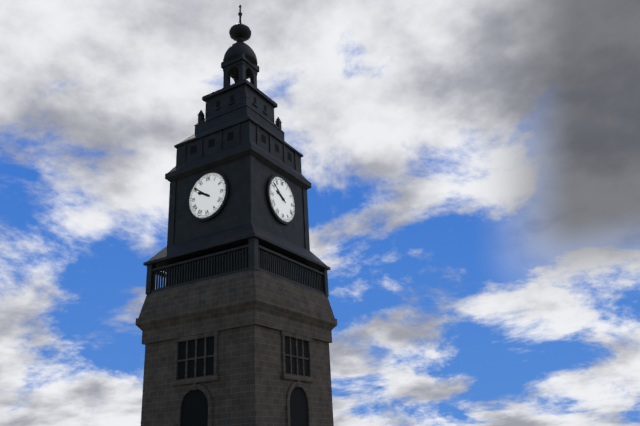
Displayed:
9.51
